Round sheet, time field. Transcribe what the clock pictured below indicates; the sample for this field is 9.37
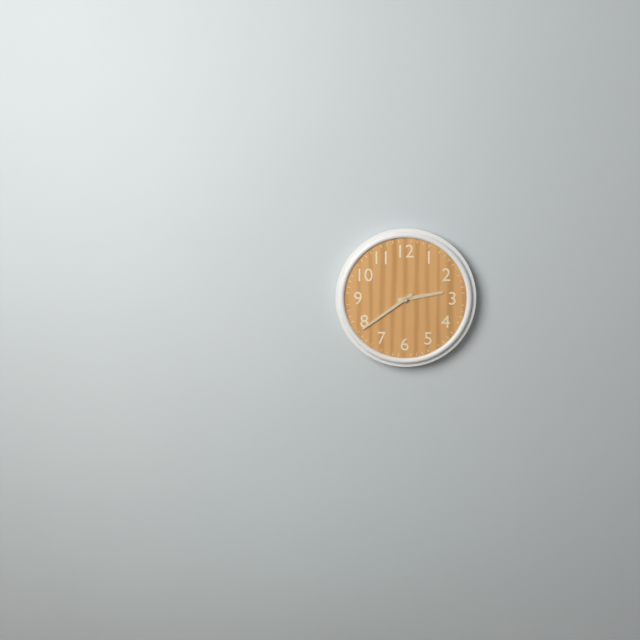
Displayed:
2.39
